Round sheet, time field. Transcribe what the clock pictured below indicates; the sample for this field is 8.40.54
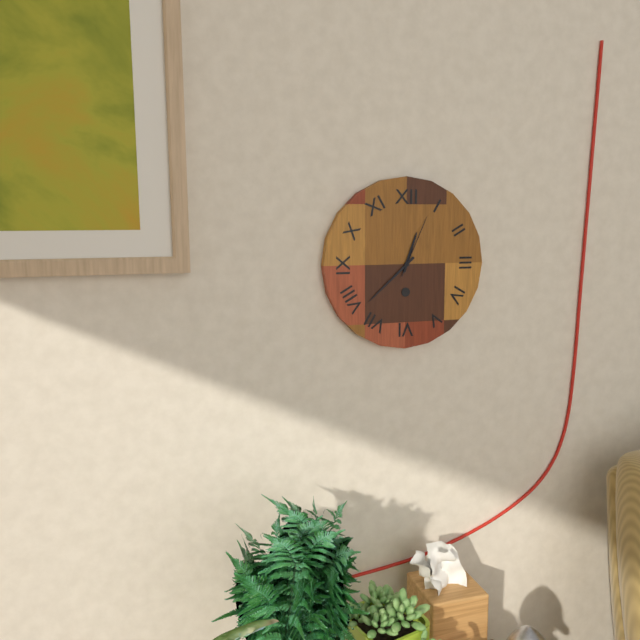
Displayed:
12.38.04
